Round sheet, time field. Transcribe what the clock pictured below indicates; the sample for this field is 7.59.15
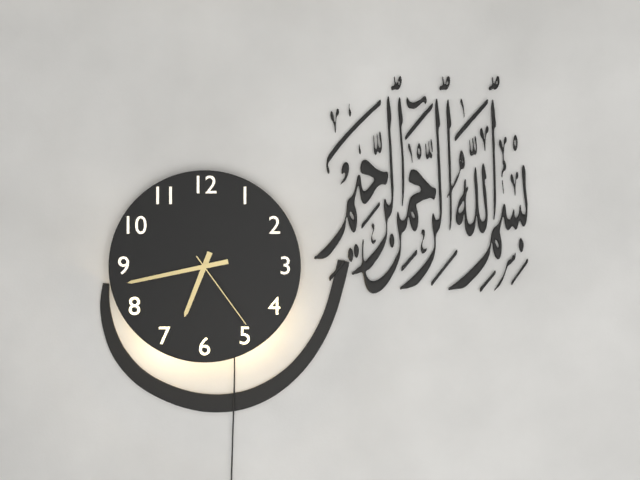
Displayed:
6.43.24
